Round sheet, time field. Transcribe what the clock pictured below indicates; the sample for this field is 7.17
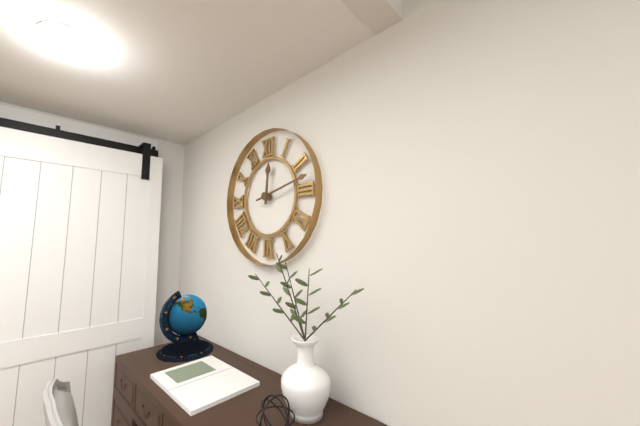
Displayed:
12.13
